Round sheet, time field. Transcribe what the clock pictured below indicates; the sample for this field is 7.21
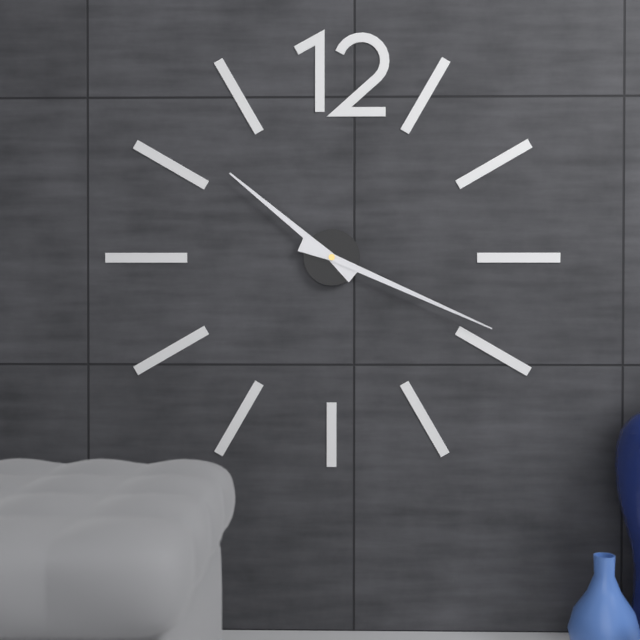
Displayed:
10.19
